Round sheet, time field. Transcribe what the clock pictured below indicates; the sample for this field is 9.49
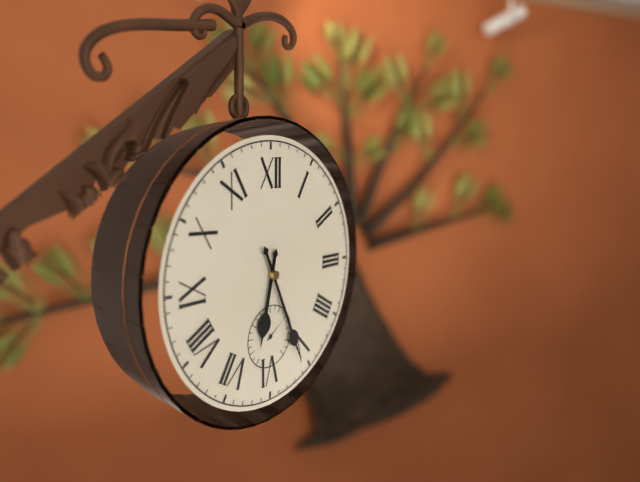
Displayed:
6.26
